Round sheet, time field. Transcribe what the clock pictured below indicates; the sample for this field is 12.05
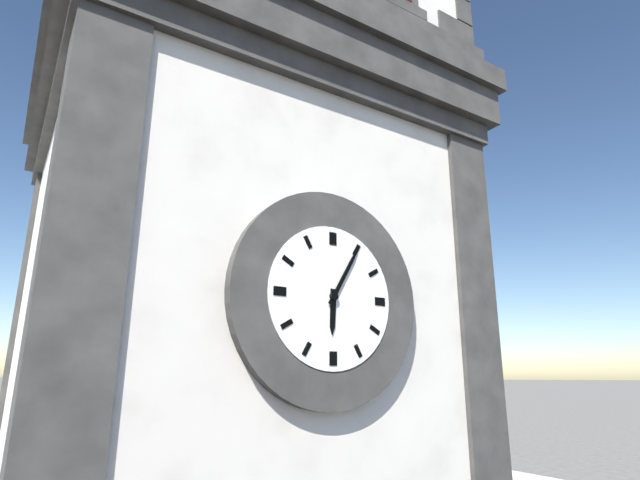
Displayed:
6.05
